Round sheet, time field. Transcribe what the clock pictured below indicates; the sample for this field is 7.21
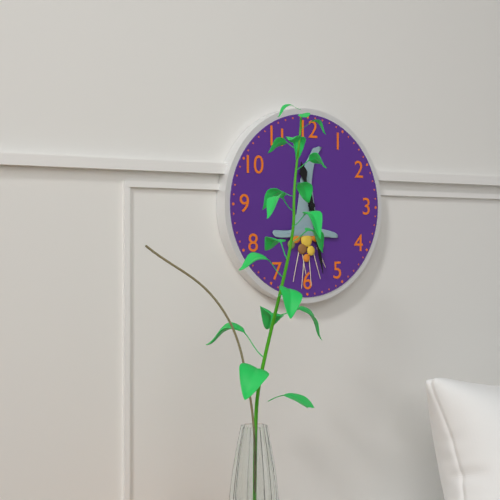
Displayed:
11.28
